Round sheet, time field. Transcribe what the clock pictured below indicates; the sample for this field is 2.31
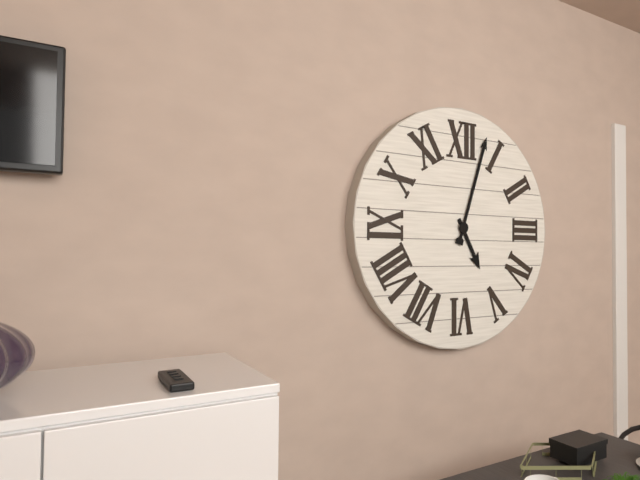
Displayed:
5.03
